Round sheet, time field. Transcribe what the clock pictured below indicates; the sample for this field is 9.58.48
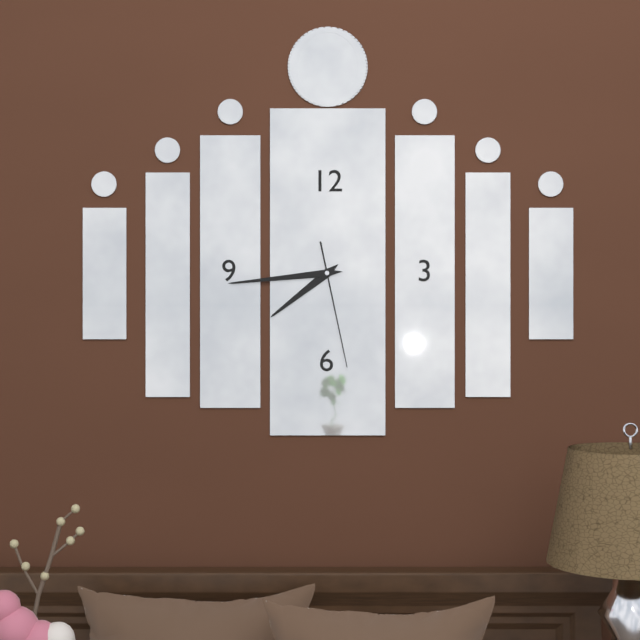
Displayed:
7.44.28
